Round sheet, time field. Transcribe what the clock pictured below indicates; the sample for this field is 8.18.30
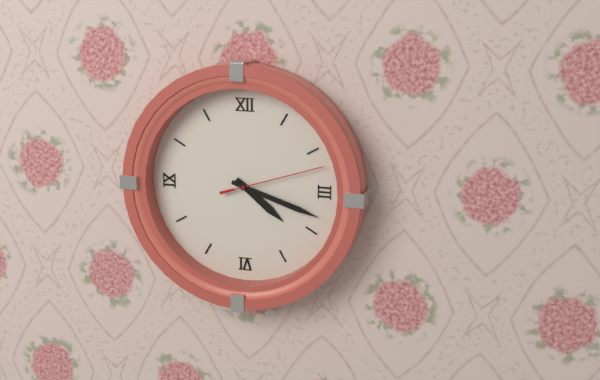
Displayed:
4.18.12
